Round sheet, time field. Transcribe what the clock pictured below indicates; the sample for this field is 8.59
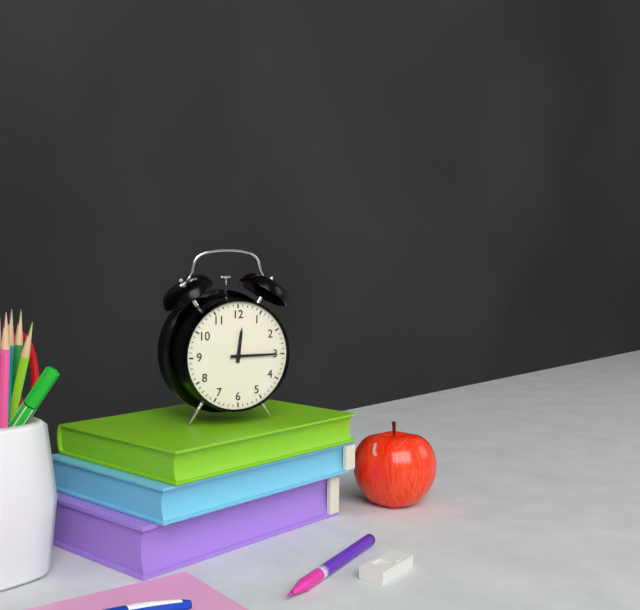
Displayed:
12.15
